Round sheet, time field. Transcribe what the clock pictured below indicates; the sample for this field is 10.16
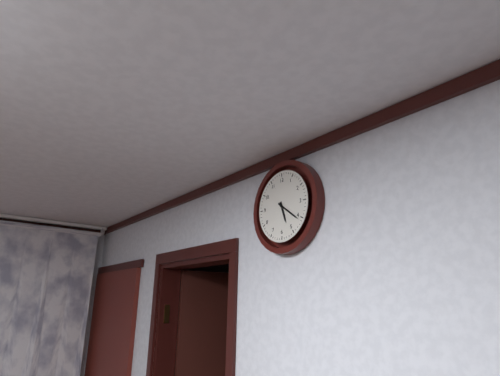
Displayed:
5.21
